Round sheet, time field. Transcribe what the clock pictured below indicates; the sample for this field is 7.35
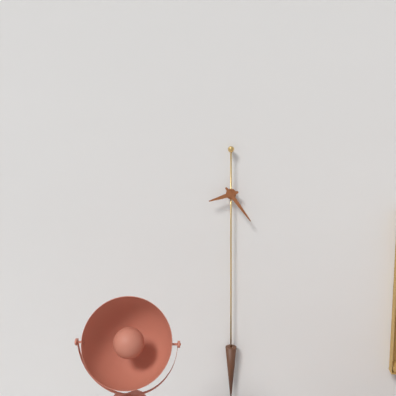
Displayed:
8.24
